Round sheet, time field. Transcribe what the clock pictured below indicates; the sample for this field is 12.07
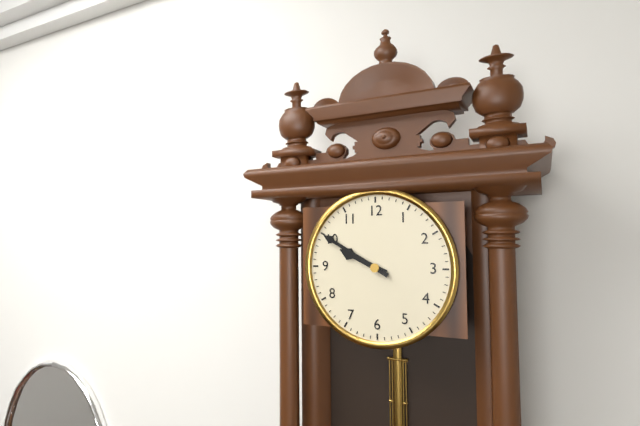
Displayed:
9.50
